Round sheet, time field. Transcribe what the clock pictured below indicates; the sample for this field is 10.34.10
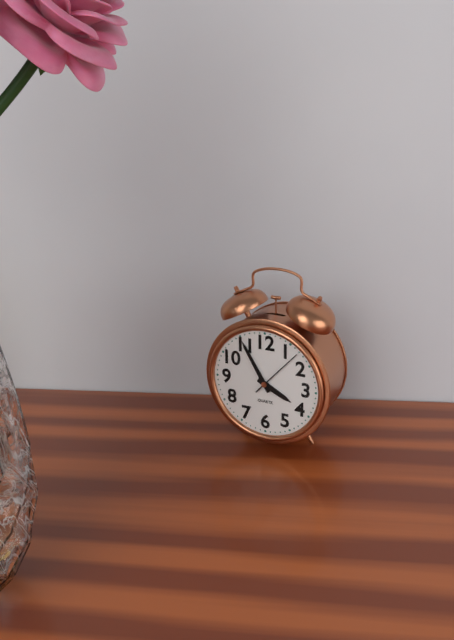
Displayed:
3.55.07
